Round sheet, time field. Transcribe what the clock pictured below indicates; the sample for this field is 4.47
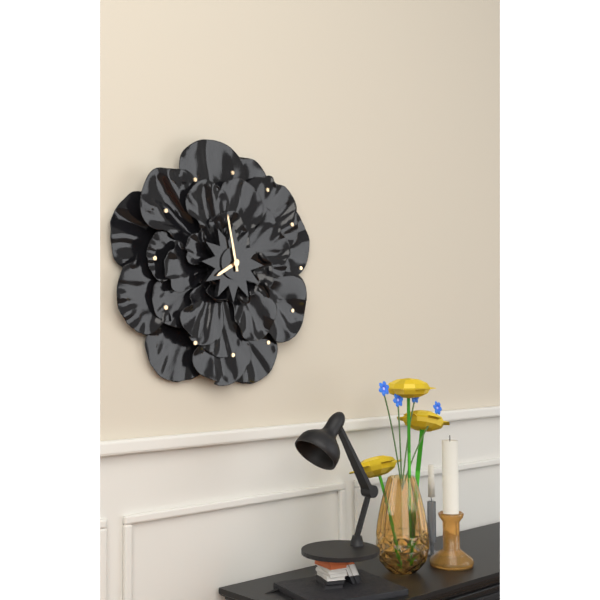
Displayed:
7.58
